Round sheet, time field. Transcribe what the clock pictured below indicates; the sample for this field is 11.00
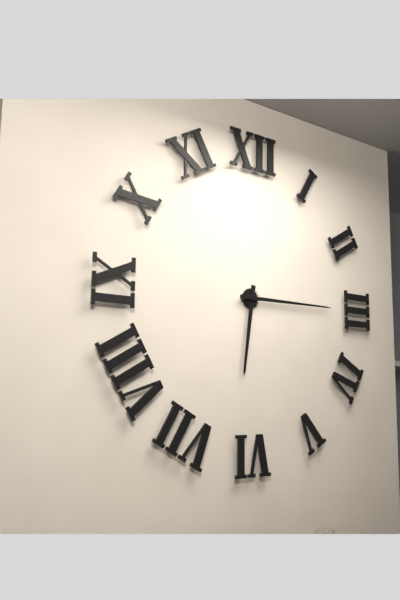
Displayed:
6.15
